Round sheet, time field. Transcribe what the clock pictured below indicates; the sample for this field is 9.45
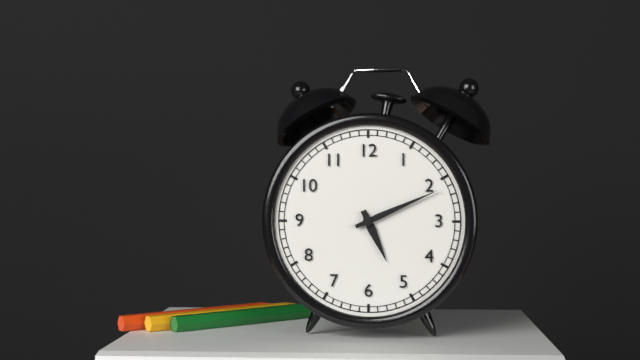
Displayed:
5.11
